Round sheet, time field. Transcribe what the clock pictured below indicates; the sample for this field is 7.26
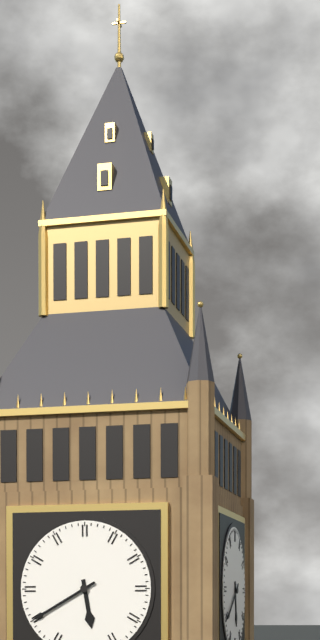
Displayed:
5.40
